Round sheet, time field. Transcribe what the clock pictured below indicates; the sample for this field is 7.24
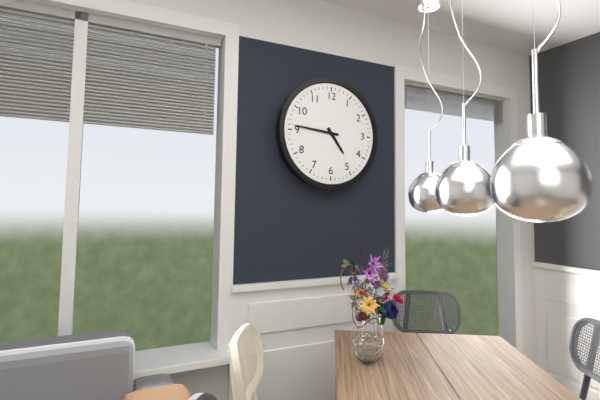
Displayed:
4.46
